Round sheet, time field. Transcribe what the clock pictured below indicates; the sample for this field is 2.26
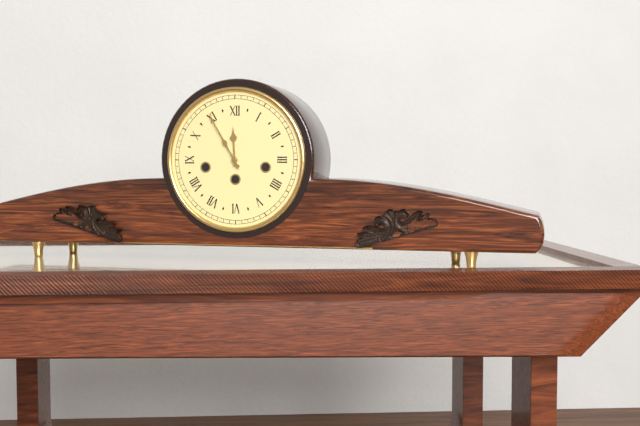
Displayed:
11.55
